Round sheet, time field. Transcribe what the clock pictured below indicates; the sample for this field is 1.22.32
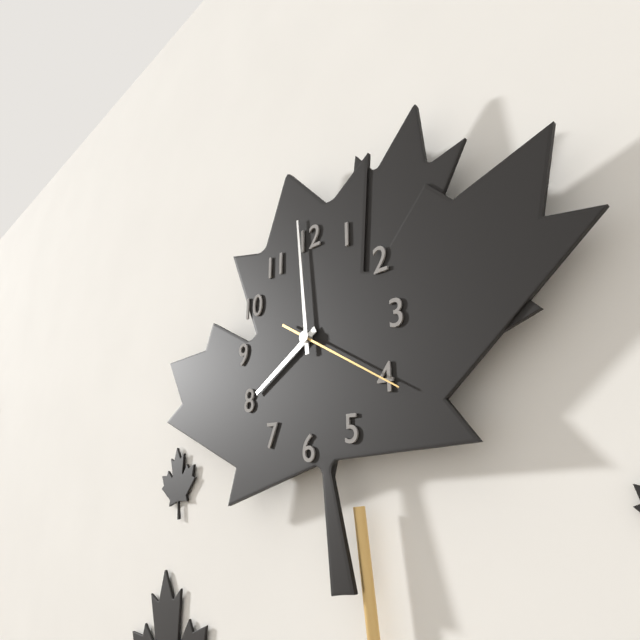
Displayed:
7.59.20
